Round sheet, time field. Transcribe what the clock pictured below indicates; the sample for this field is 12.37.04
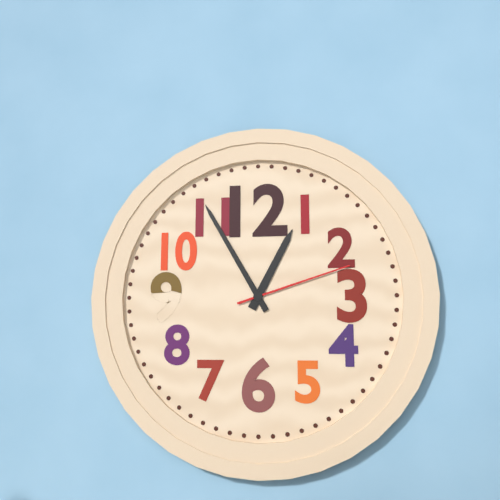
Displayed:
12.55.12
